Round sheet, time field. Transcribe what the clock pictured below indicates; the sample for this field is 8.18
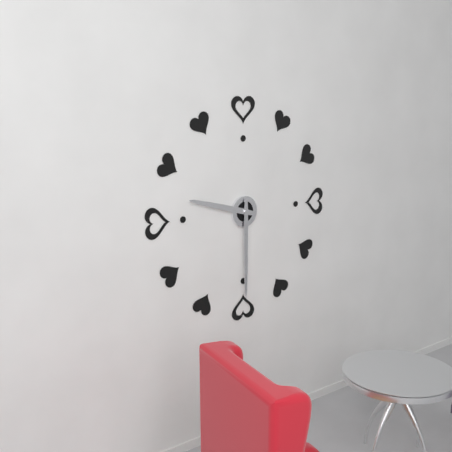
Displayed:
9.30
